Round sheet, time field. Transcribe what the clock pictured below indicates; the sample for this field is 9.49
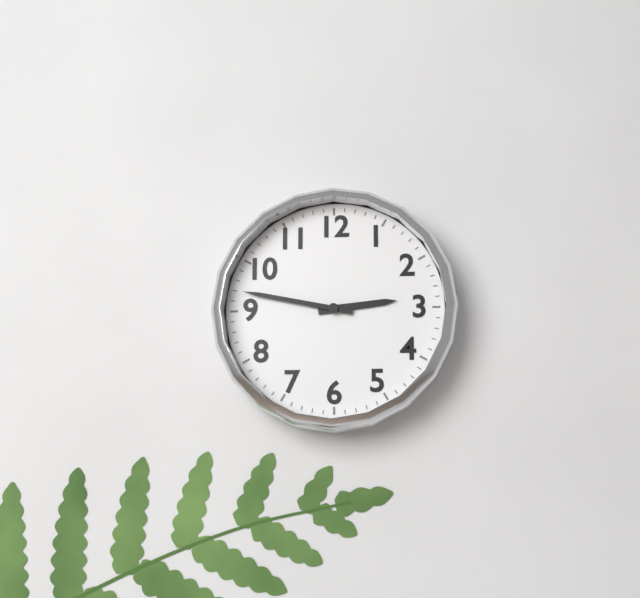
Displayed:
2.47
